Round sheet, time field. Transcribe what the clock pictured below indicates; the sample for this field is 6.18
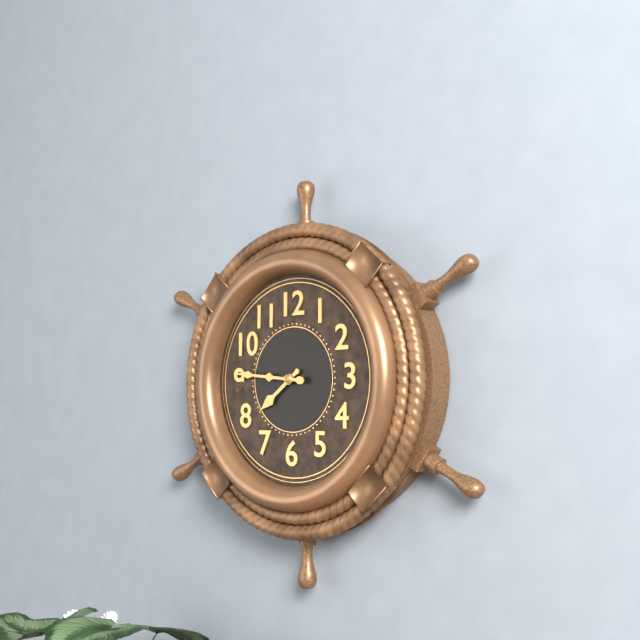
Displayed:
7.46
